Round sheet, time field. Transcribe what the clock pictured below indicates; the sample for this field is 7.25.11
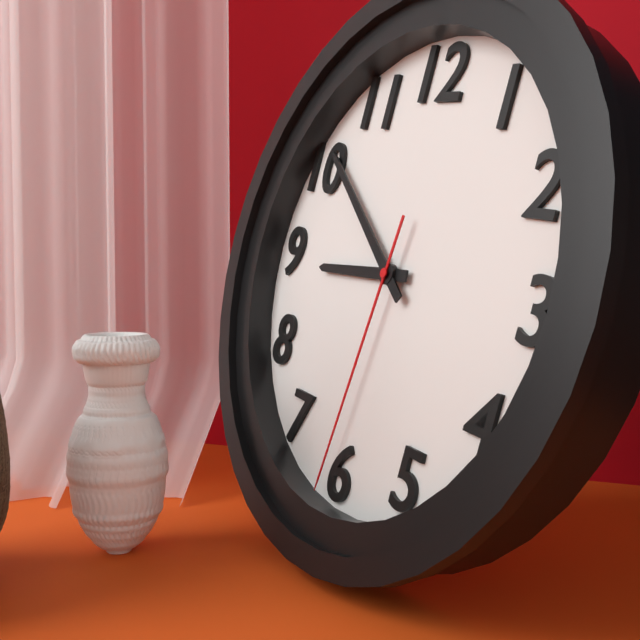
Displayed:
8.51.31
